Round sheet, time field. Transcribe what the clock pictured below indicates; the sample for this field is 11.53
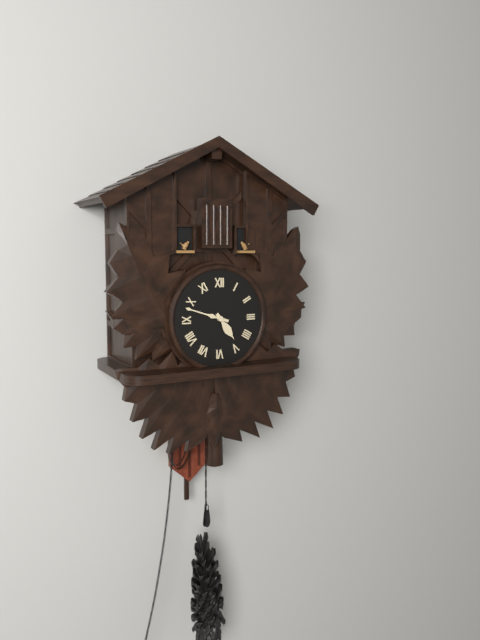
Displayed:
4.48
